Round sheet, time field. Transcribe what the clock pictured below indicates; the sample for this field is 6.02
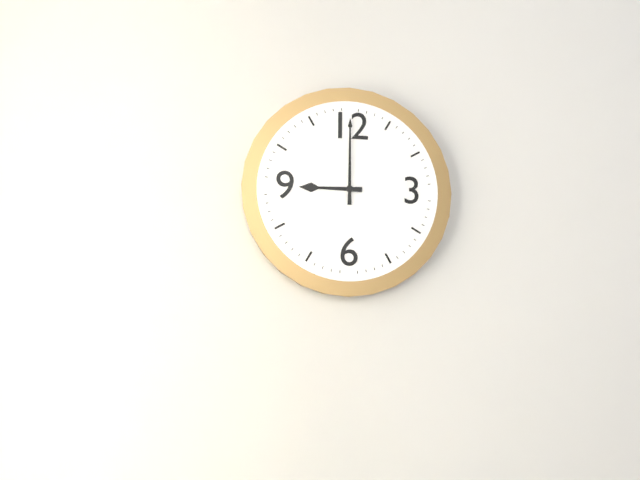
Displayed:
9.00
